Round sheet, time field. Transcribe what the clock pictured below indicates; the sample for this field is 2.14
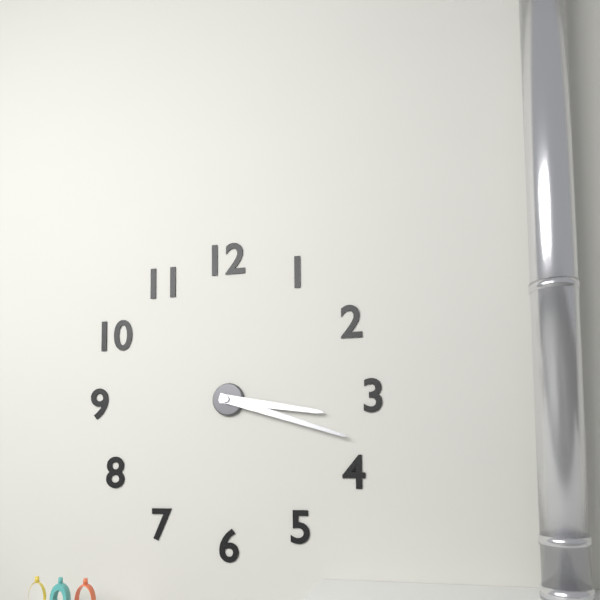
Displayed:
3.18
